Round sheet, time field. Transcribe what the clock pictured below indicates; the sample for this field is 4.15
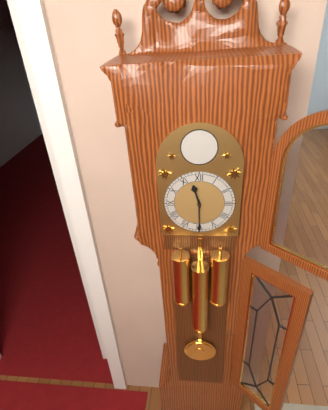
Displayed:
11.30
